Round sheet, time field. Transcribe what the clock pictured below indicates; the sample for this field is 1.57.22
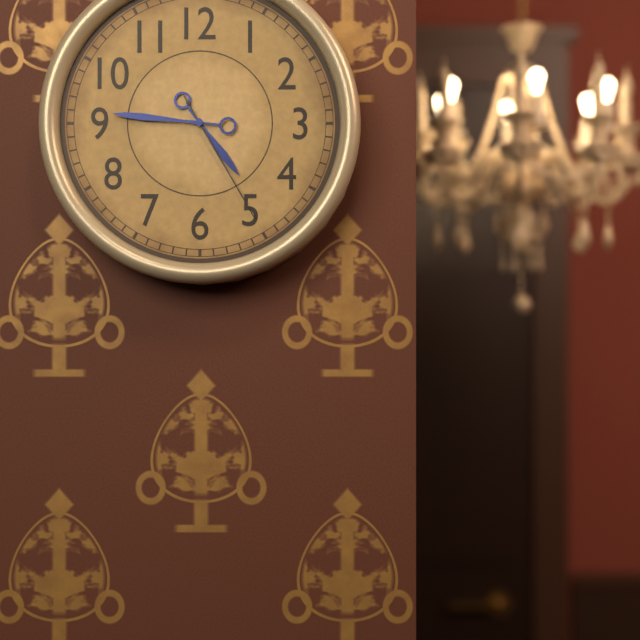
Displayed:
4.46.25
